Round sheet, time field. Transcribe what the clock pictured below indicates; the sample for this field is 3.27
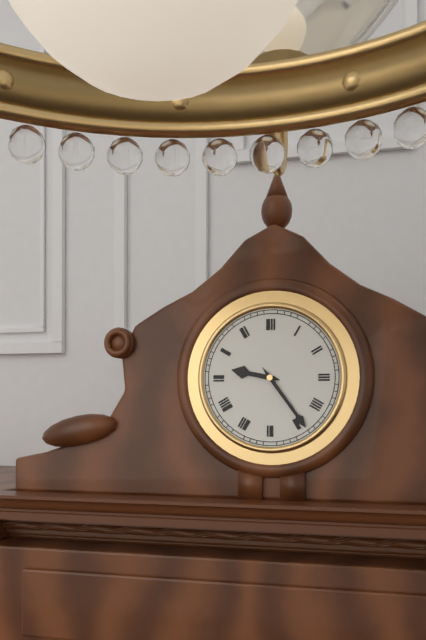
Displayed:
9.24
